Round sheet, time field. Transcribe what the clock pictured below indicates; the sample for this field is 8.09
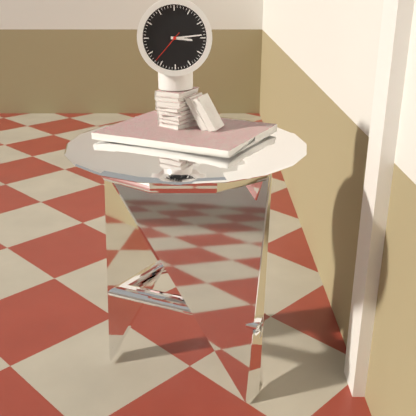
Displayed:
3.14
